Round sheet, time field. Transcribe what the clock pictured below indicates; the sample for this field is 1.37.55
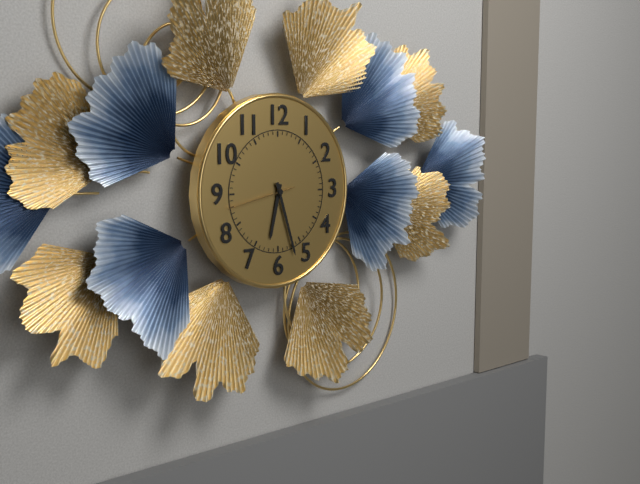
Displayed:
6.27.43
